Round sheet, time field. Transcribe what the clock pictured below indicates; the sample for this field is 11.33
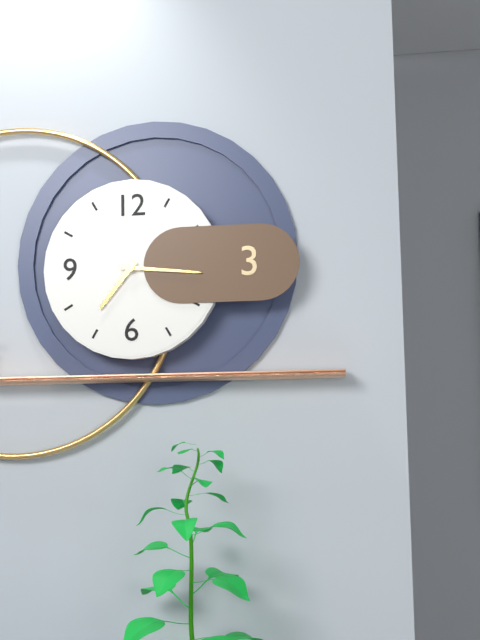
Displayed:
7.16
